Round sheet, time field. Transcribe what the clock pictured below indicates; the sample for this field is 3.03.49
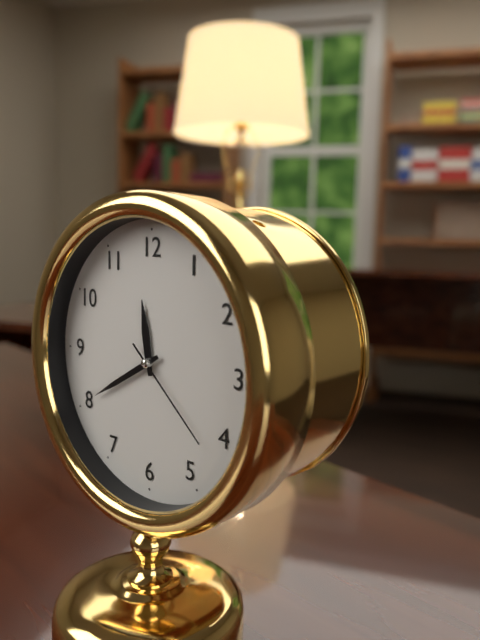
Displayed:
11.40.22
